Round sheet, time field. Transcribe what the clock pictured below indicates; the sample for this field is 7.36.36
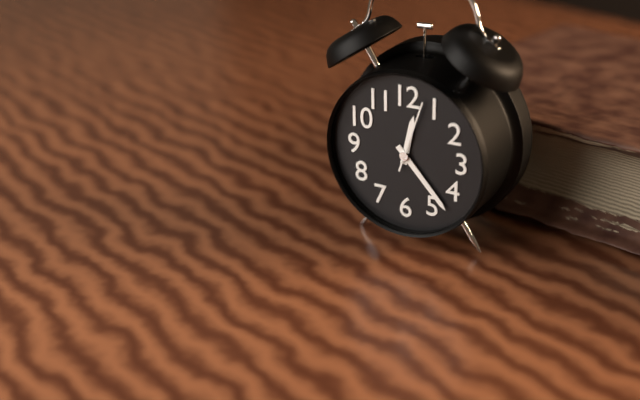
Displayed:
12.23.03
